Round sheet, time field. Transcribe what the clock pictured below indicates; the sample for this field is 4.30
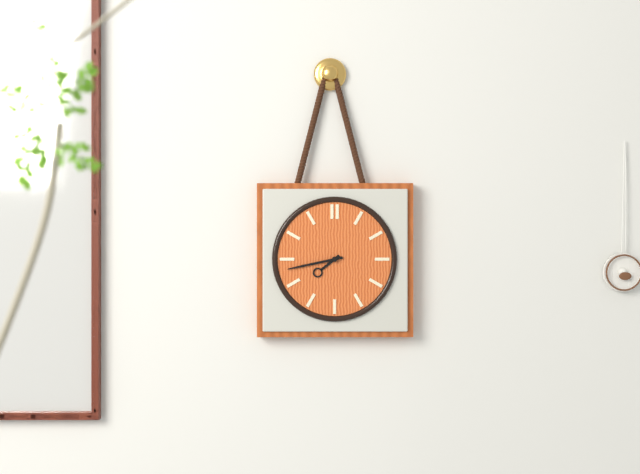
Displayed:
7.43
